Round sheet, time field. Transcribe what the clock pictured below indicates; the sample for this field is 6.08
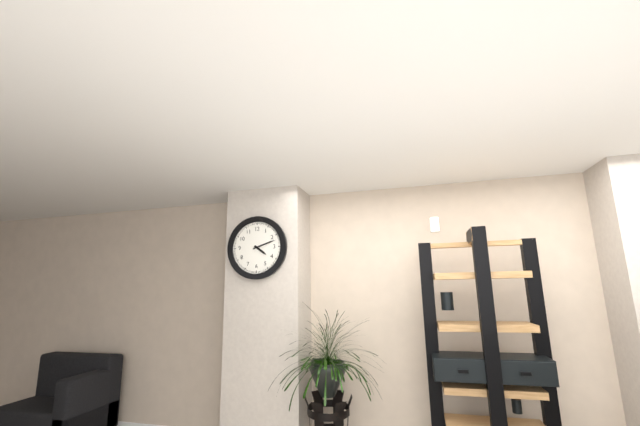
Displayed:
4.12
